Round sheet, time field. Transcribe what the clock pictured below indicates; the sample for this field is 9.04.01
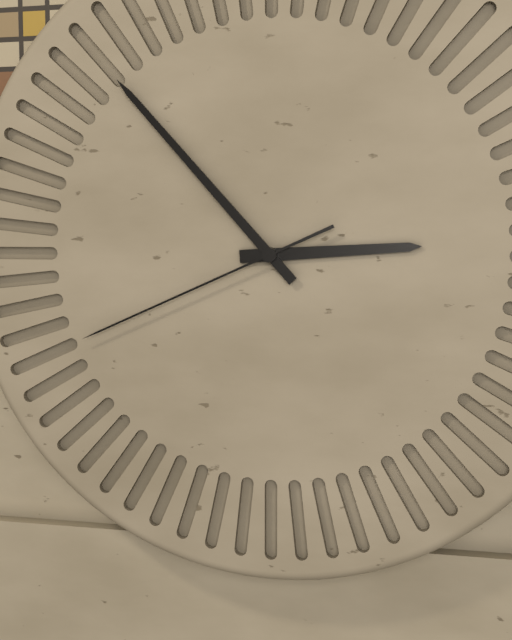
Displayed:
2.53.41
